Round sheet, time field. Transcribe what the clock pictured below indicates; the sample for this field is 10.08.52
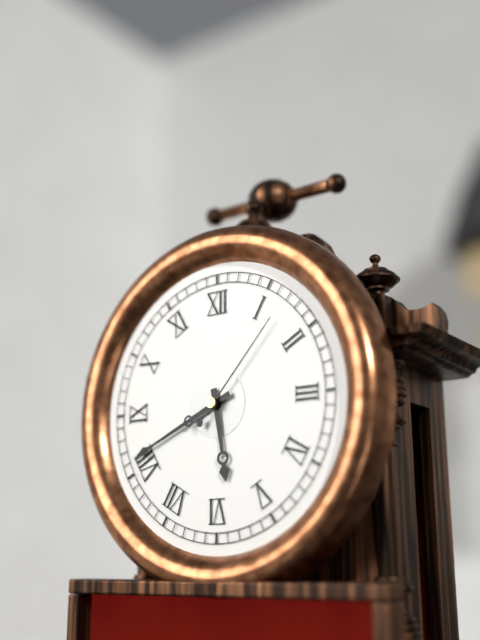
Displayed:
5.41.07
